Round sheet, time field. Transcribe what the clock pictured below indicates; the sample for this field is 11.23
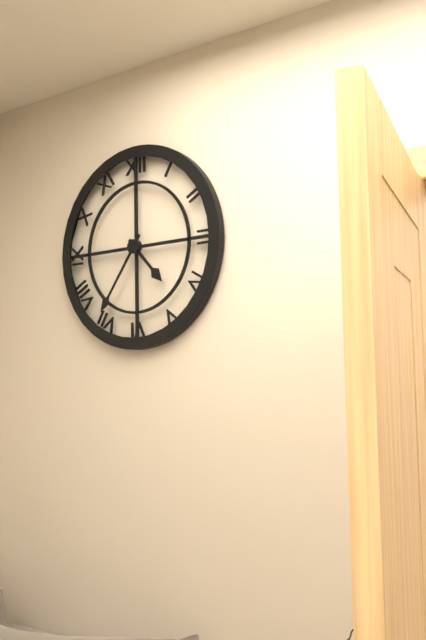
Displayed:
4.36
